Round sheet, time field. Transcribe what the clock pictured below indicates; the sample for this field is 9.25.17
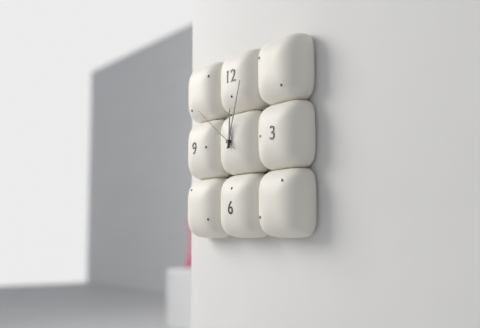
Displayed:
12.03.51
